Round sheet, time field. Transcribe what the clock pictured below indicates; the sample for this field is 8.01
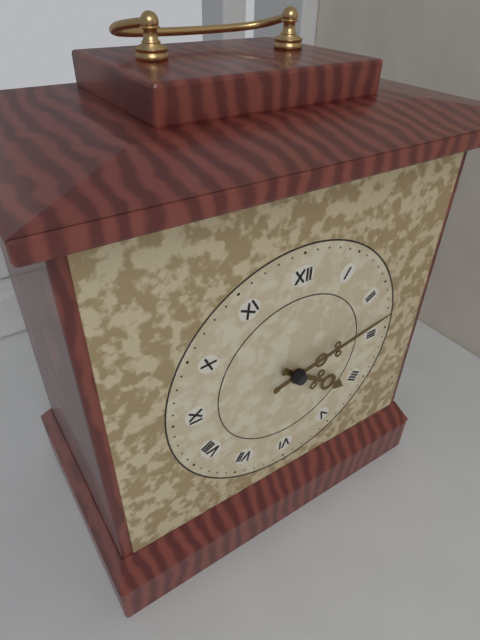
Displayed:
4.13
